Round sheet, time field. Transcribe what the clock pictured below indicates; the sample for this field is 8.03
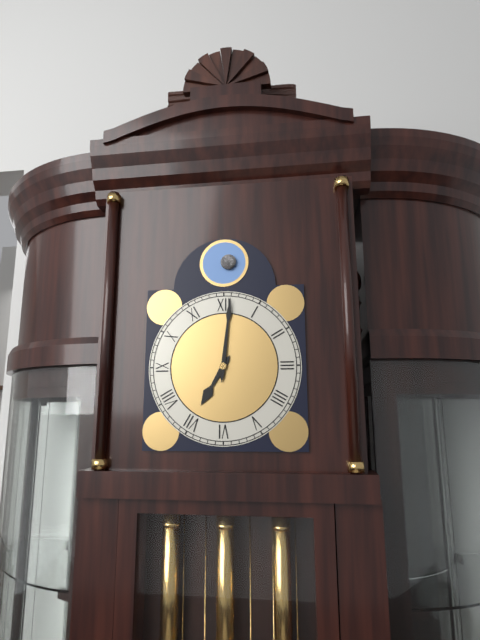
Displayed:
7.01
